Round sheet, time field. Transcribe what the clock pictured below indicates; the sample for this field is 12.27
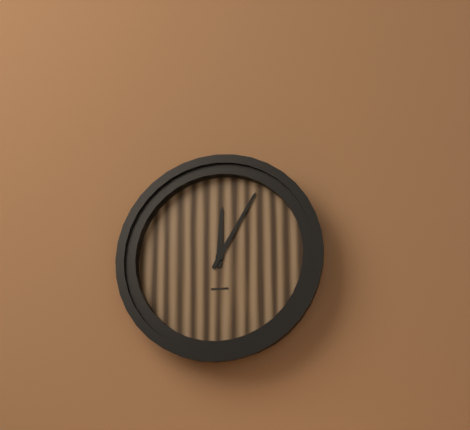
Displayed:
12.05
